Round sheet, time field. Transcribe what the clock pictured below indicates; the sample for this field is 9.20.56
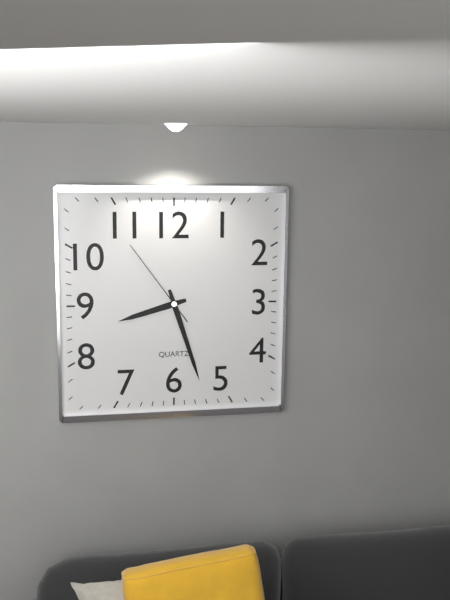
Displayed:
8.27.54
